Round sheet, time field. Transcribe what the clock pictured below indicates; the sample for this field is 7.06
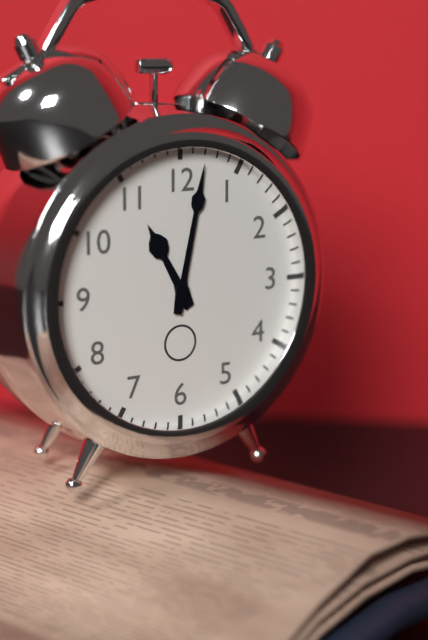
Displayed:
11.02
